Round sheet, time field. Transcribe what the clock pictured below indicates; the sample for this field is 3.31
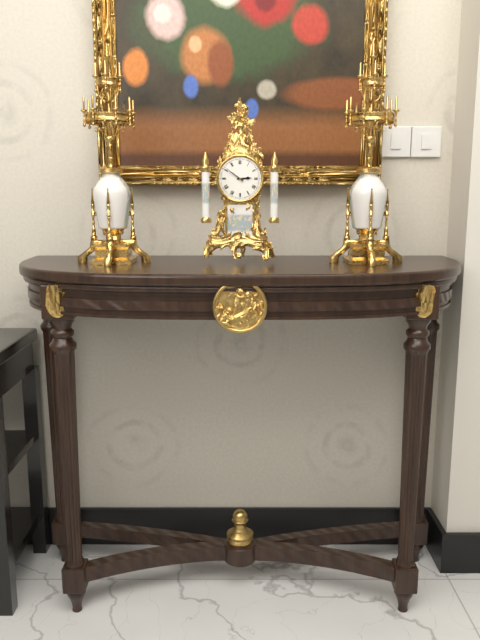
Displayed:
2.51
